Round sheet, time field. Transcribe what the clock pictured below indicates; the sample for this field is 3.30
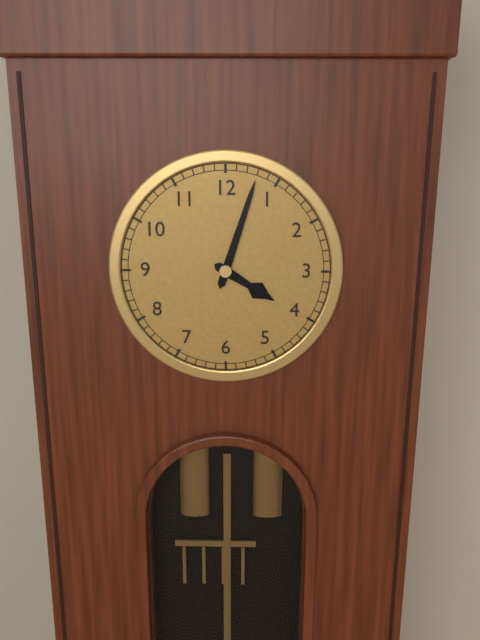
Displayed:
4.03
